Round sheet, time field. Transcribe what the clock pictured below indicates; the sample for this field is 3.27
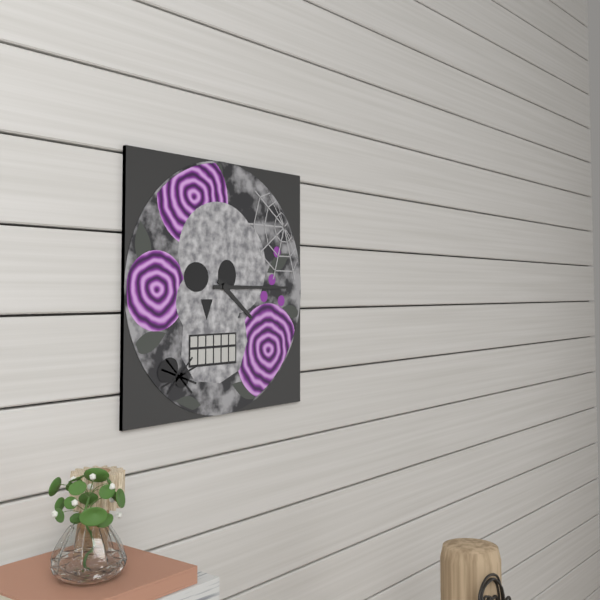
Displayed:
4.15
